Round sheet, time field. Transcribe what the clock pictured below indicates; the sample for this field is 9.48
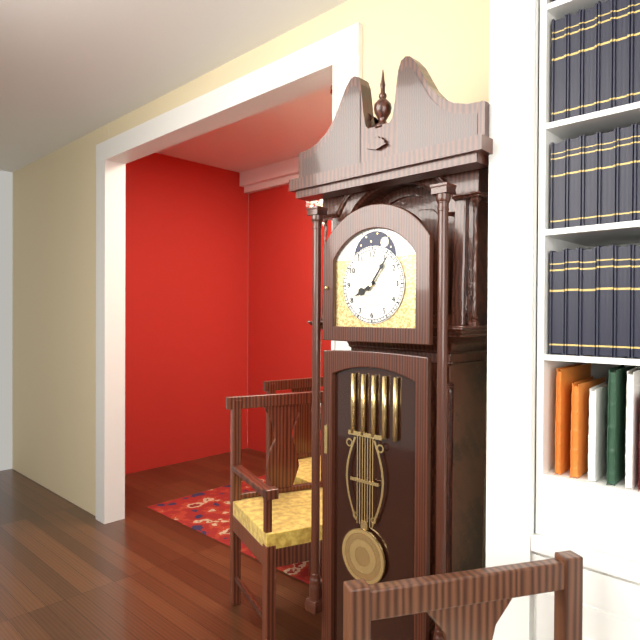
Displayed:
8.06
